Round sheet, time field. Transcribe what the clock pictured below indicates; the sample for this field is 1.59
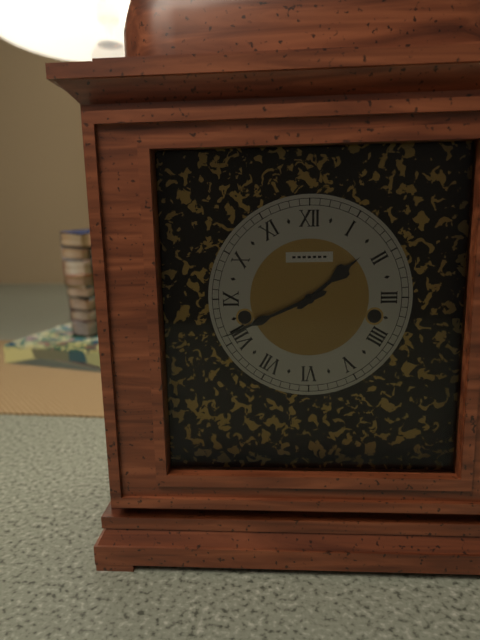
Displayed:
1.41
